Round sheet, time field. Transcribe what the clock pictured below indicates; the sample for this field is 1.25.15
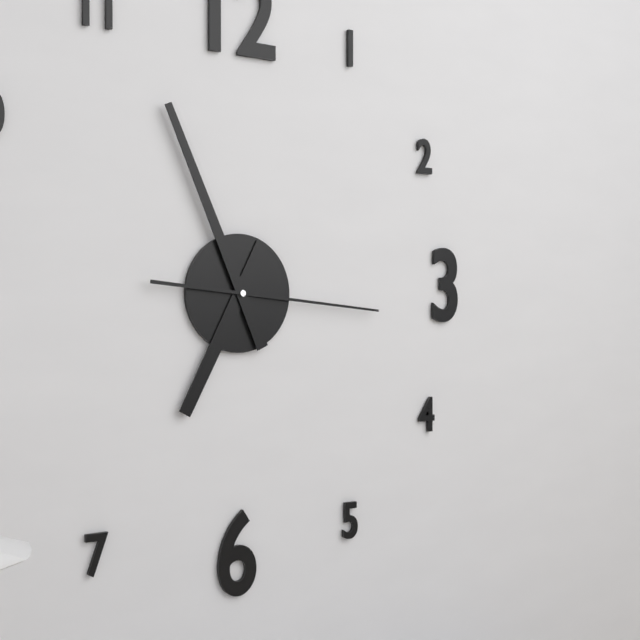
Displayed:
6.56.16
